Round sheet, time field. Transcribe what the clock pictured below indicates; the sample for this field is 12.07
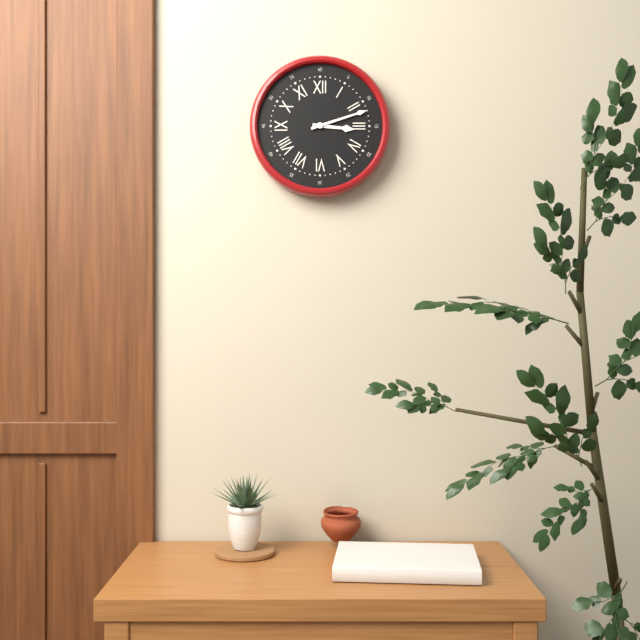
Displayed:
3.12
